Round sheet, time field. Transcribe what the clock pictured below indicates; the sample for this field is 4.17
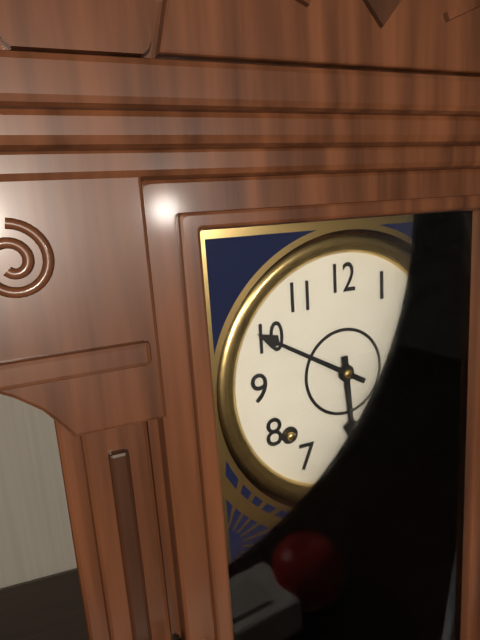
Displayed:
5.50
